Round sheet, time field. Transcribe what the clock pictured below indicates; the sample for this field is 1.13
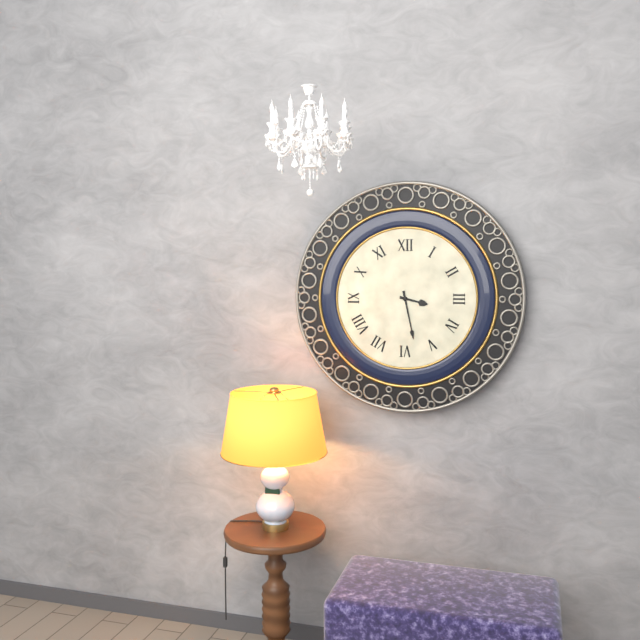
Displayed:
3.28
